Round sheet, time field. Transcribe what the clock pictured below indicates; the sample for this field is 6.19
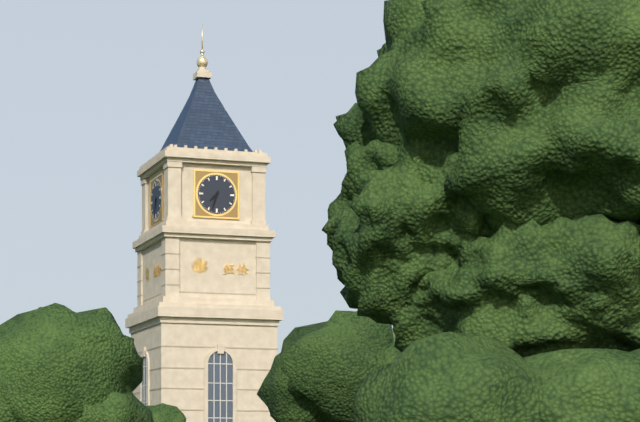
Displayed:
7.33
